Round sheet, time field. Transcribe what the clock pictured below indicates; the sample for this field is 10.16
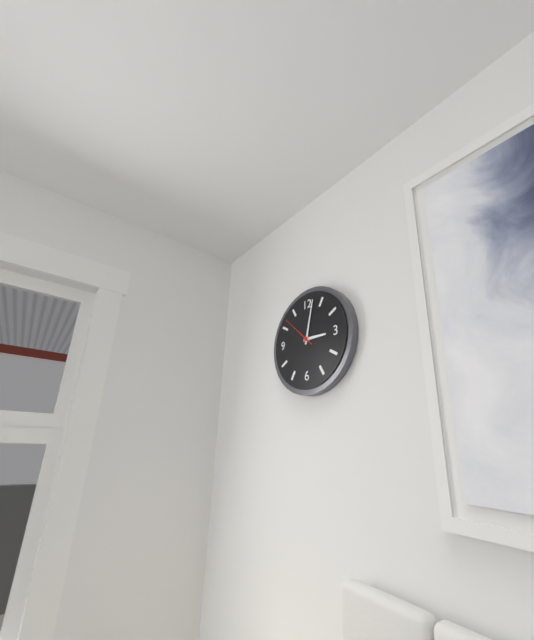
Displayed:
3.02
